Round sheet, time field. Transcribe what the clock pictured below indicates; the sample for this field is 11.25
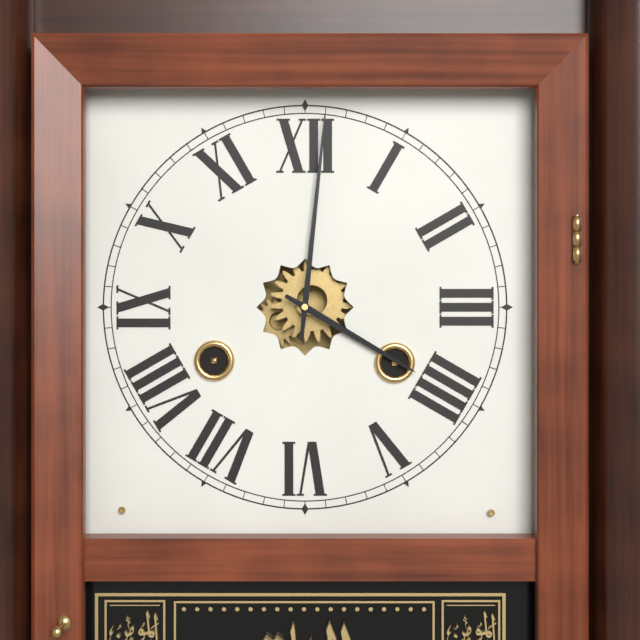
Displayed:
4.01
